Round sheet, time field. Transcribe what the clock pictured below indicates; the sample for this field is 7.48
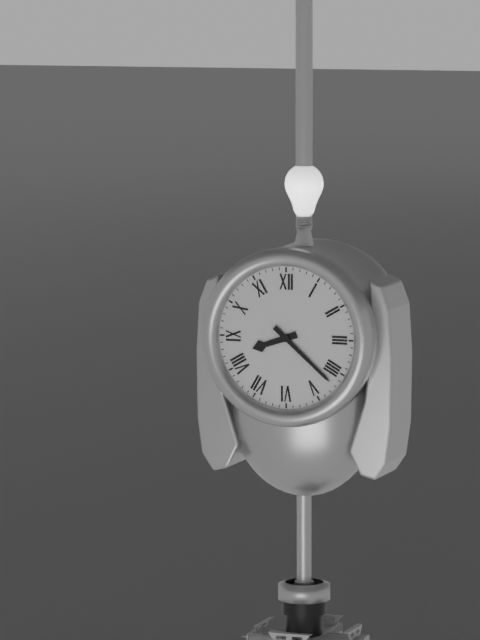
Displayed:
8.22
